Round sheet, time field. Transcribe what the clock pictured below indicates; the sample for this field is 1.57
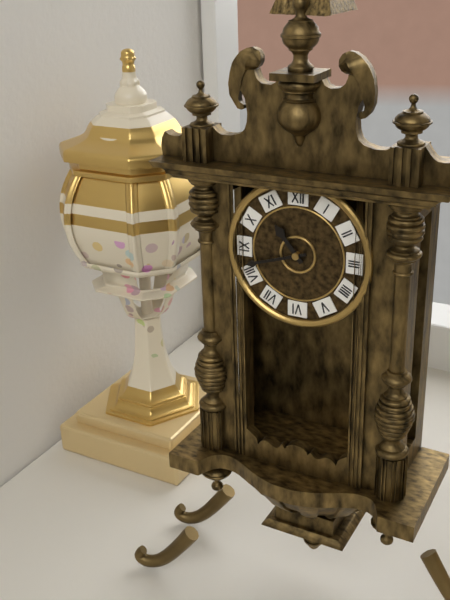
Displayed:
10.42
